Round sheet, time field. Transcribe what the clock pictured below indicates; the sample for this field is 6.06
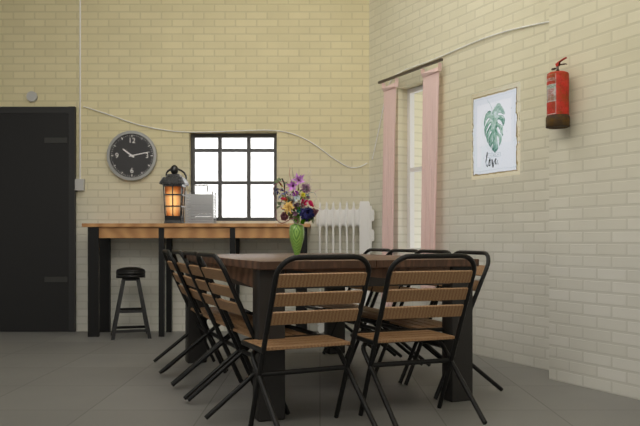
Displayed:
10.13
